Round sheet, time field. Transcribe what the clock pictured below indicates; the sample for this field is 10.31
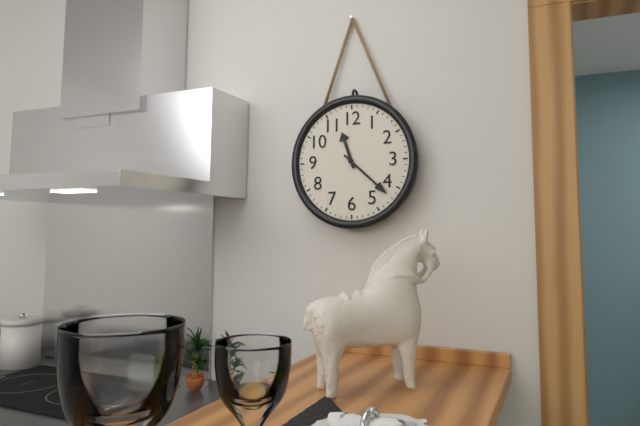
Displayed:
11.22
